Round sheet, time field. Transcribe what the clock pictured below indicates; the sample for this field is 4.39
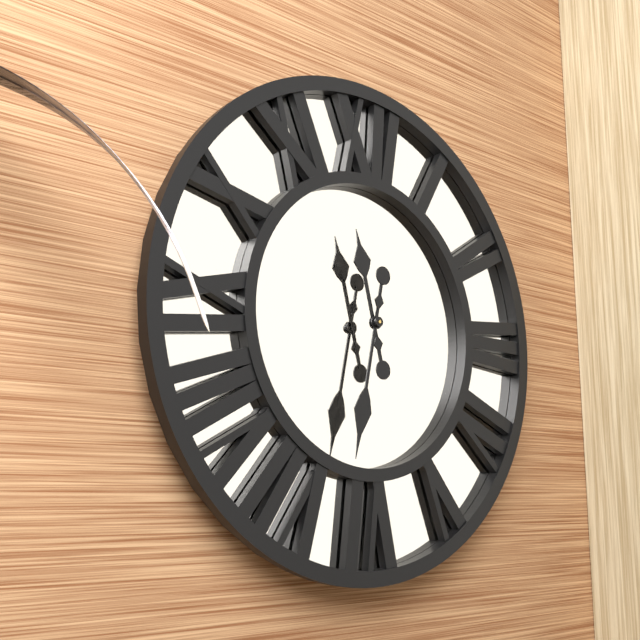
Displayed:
11.32
